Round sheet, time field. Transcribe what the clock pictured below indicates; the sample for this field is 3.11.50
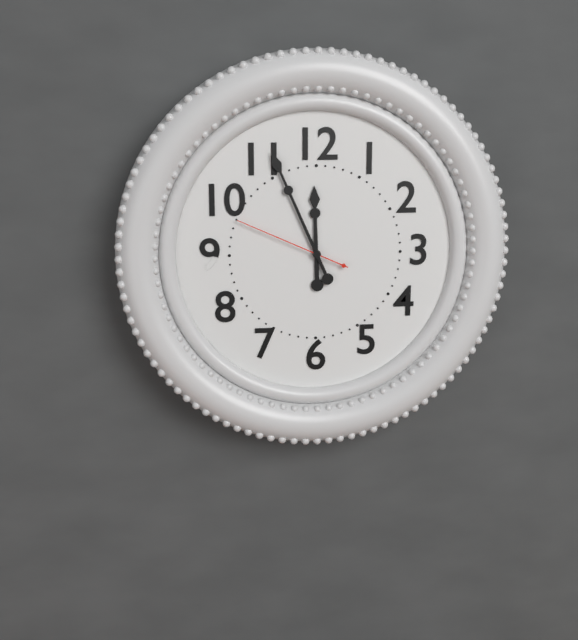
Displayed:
11.56.49
